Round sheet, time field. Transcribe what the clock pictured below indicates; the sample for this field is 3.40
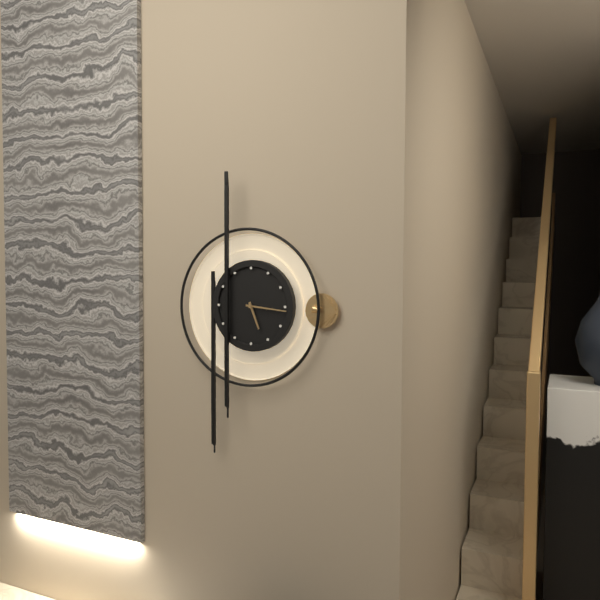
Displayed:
5.16
